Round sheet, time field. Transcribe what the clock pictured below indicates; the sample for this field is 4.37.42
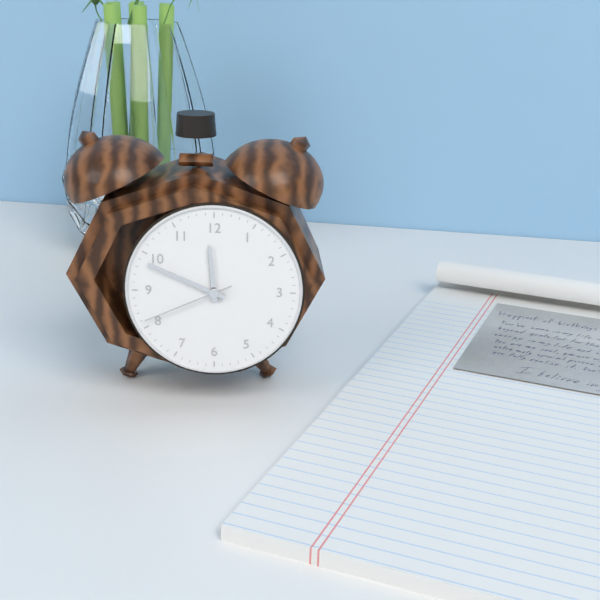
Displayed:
11.49.41
